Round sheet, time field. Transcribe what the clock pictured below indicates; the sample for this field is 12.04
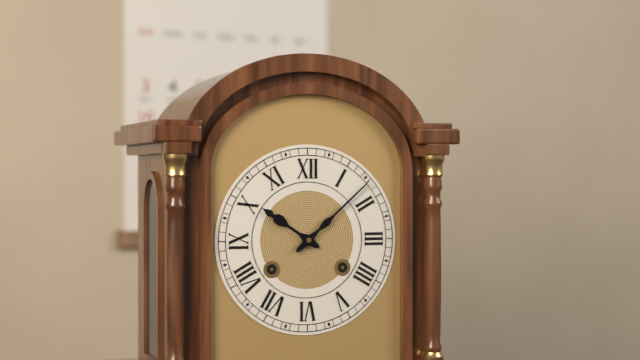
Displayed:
10.08
